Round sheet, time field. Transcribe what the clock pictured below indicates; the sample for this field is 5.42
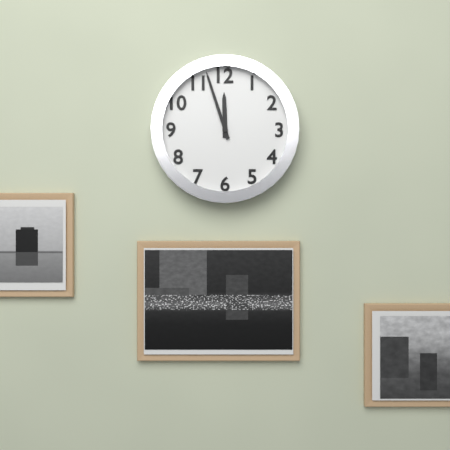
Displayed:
11.57
